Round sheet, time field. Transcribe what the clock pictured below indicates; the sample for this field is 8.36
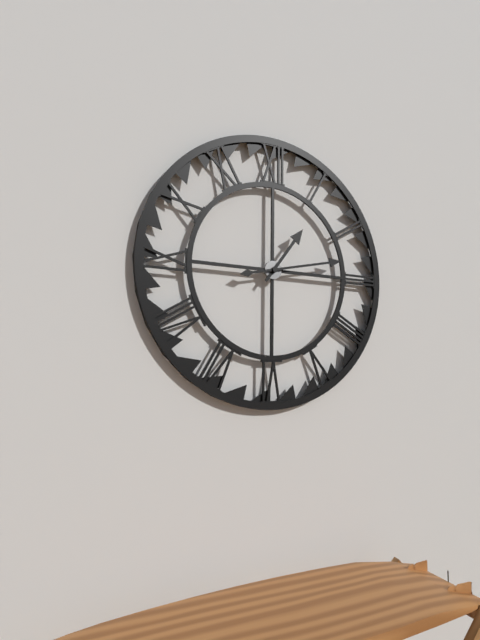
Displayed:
1.13
